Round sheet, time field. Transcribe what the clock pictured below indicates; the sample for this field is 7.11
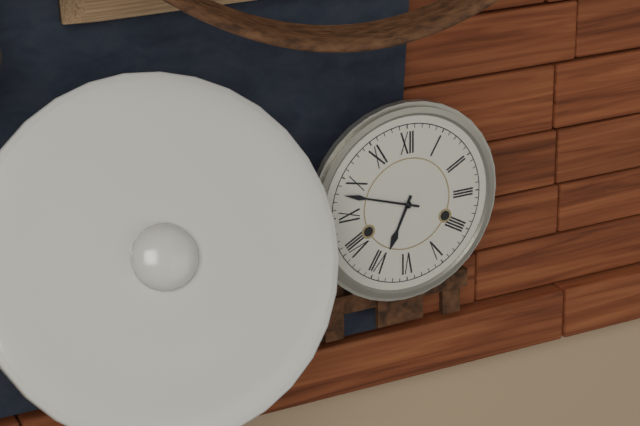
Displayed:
6.48
